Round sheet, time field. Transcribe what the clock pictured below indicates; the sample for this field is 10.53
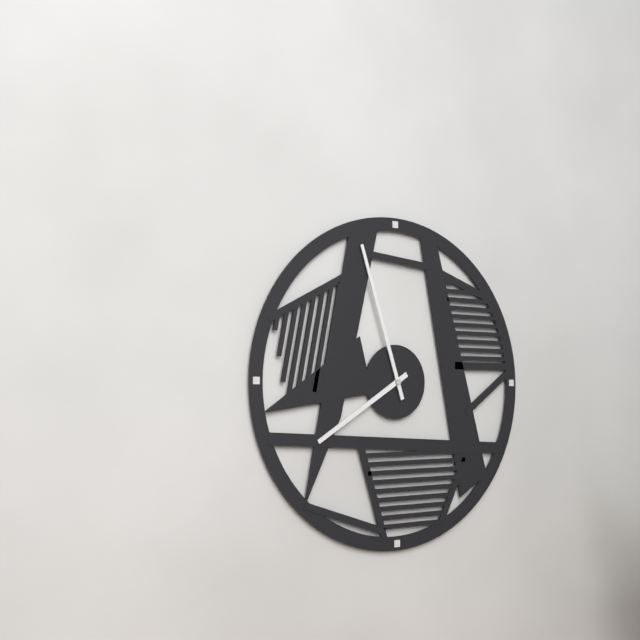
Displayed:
7.57
